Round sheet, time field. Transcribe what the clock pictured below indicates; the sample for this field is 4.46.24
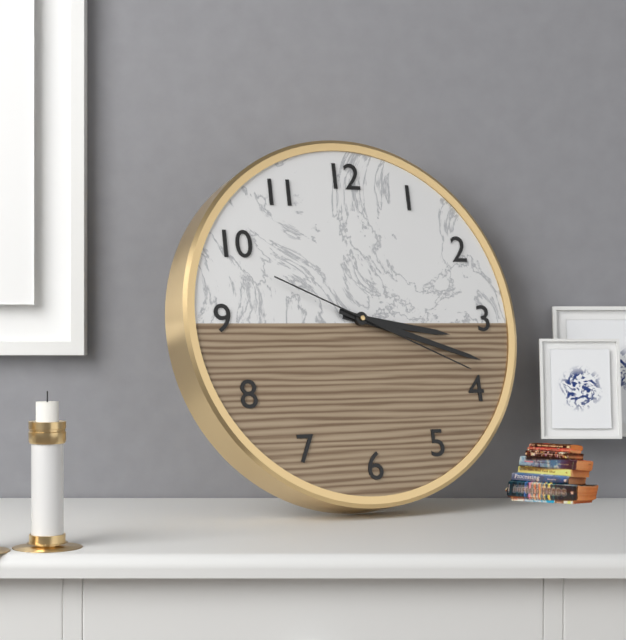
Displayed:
3.18.19
